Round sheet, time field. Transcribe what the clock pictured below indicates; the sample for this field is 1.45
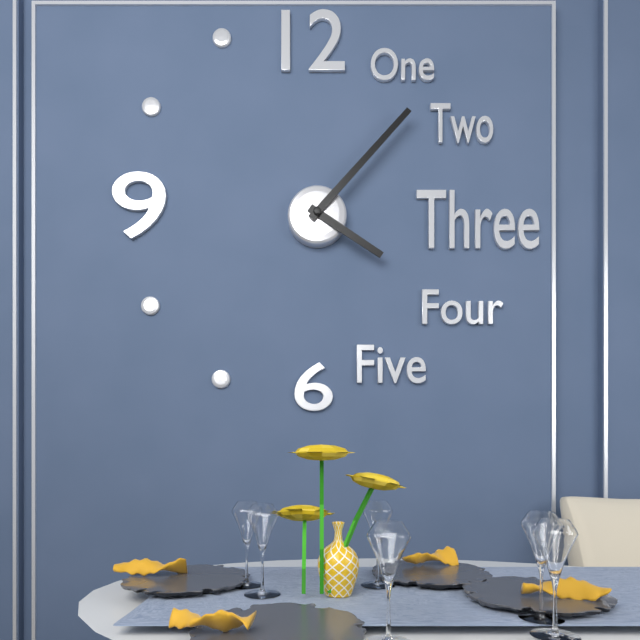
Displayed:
4.07
